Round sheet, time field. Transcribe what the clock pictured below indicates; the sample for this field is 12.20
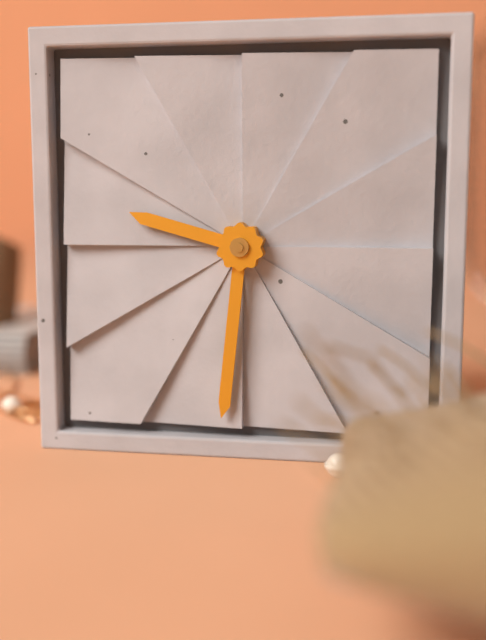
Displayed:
9.31
